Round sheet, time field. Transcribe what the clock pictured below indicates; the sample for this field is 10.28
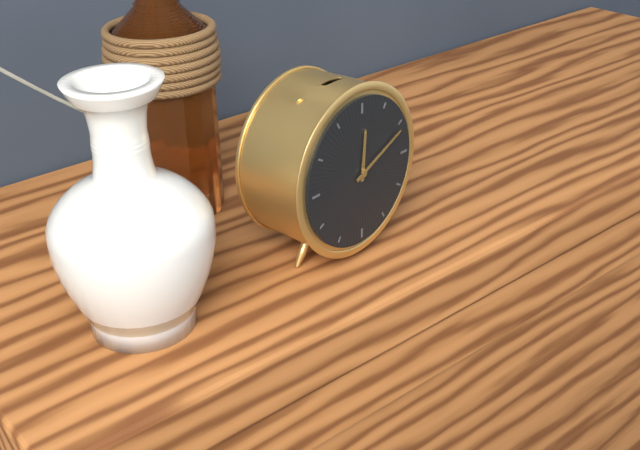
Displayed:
12.11
